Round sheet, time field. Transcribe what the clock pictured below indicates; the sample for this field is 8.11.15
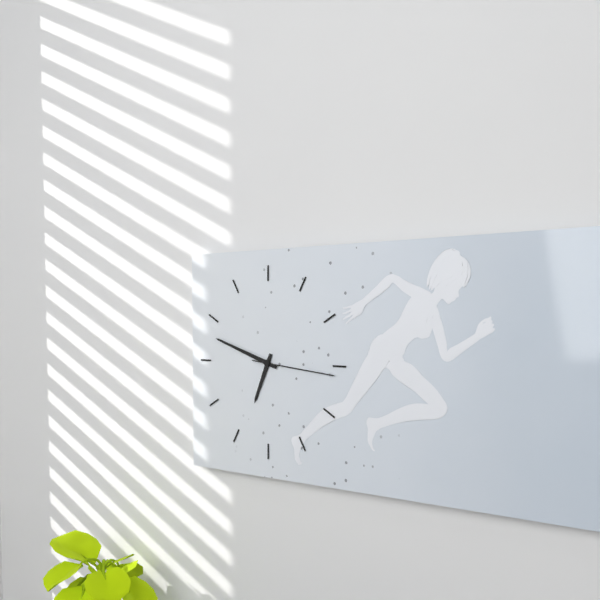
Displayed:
6.48.16
